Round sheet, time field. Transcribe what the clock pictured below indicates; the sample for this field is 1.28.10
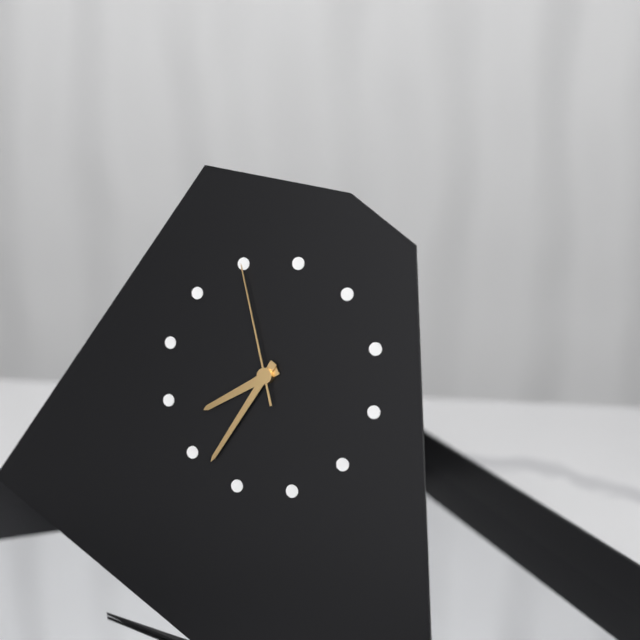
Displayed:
7.33.55
